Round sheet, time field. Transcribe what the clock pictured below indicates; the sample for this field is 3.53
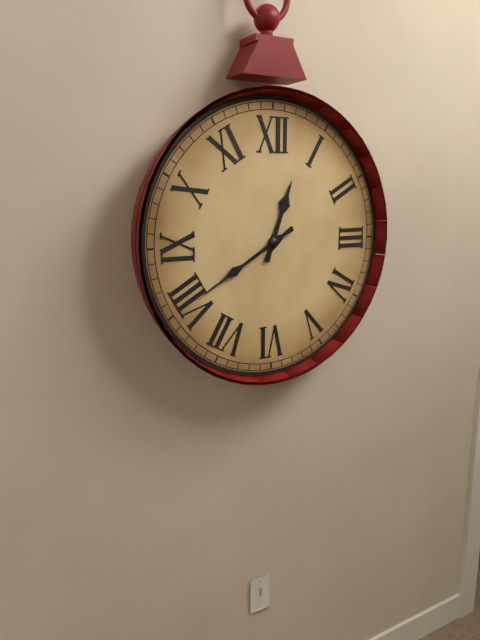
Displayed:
12.40
